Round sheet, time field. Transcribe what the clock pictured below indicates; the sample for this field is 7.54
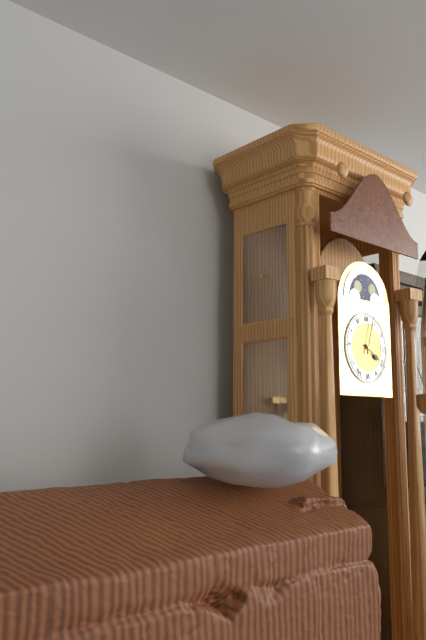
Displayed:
4.03
